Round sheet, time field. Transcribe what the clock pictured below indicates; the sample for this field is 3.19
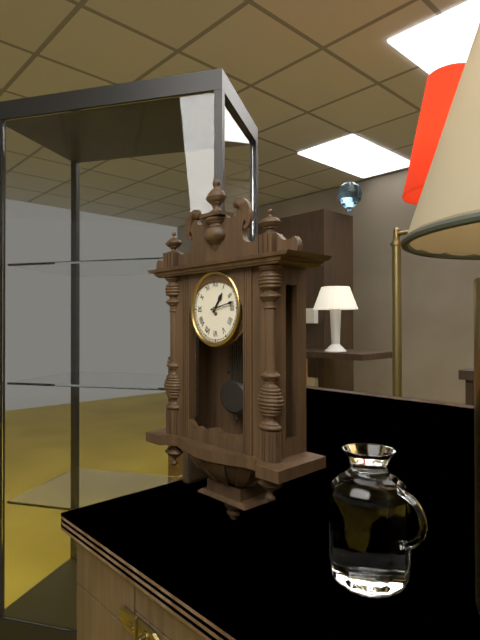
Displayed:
1.13
